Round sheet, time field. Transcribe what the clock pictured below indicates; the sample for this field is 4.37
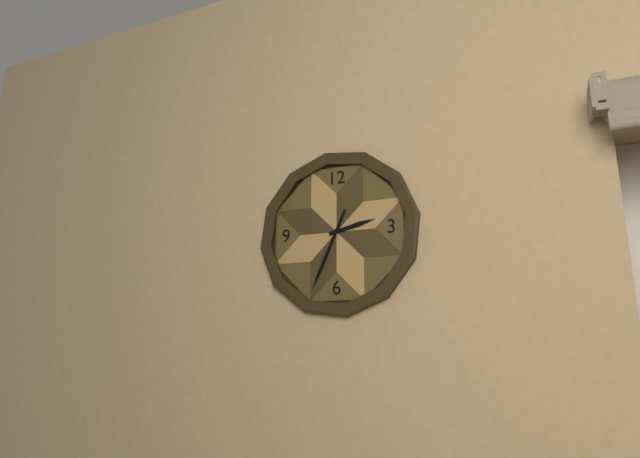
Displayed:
2.34
